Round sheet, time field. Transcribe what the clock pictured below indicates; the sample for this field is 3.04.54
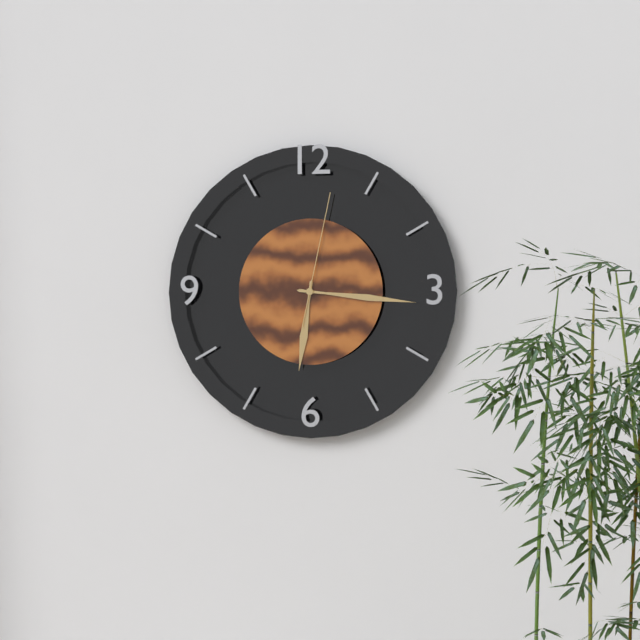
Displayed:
6.16.02
